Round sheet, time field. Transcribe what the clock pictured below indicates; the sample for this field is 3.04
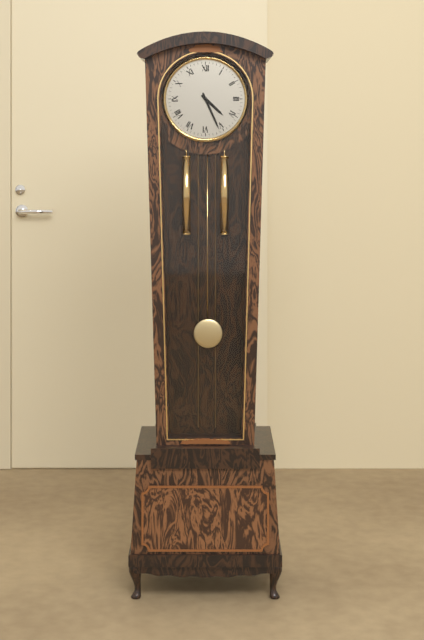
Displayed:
4.26
